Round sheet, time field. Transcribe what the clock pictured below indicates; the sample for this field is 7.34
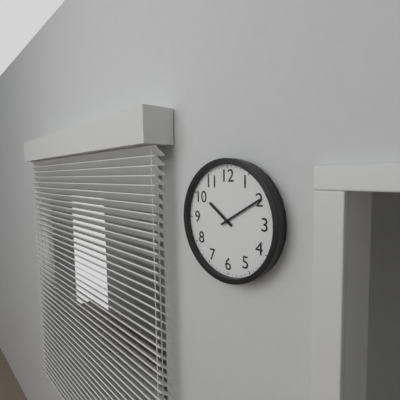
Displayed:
10.10
